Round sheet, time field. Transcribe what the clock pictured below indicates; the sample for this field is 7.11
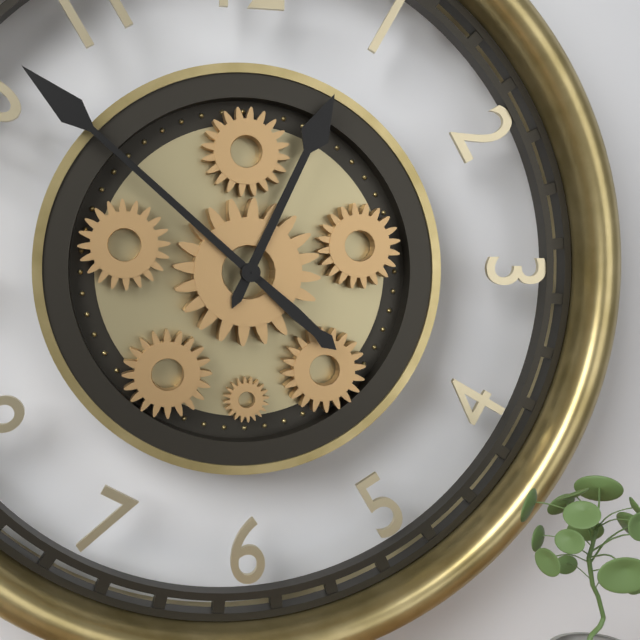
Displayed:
12.52
